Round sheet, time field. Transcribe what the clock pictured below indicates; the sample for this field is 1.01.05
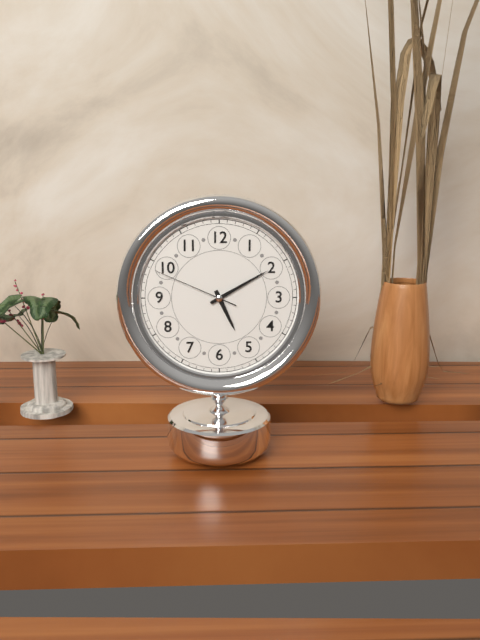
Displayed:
5.10.49
